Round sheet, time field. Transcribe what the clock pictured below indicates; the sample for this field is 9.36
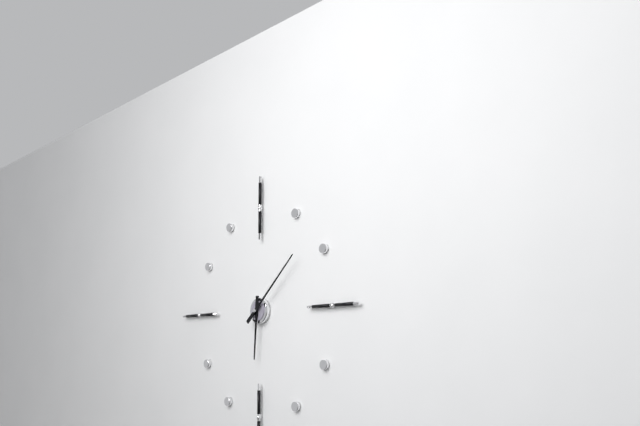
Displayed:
6.08
